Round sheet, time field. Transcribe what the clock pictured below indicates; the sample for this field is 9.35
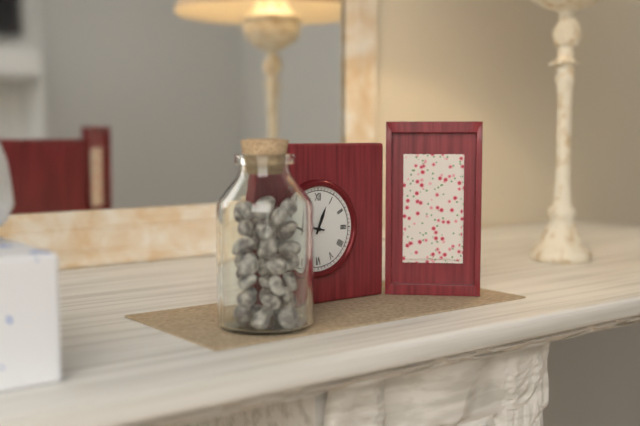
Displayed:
12.47
